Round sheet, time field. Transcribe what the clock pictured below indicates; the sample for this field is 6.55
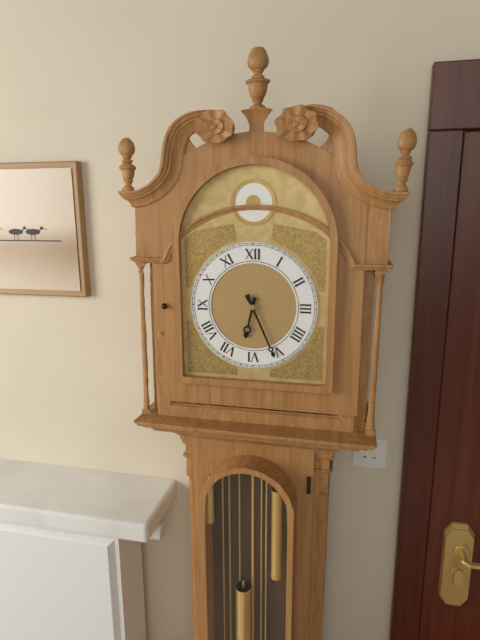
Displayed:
6.26
